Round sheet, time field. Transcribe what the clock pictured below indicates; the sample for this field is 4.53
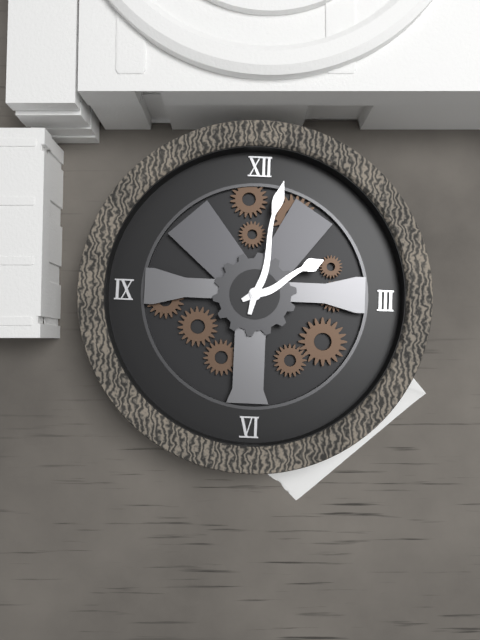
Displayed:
2.02
